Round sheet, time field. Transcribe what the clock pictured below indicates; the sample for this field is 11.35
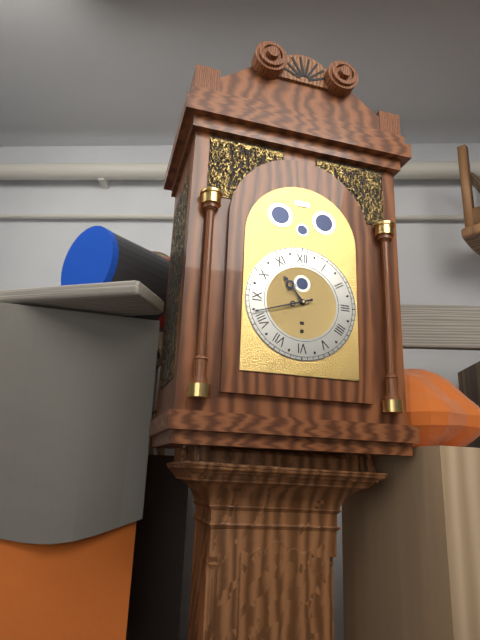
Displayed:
10.42
